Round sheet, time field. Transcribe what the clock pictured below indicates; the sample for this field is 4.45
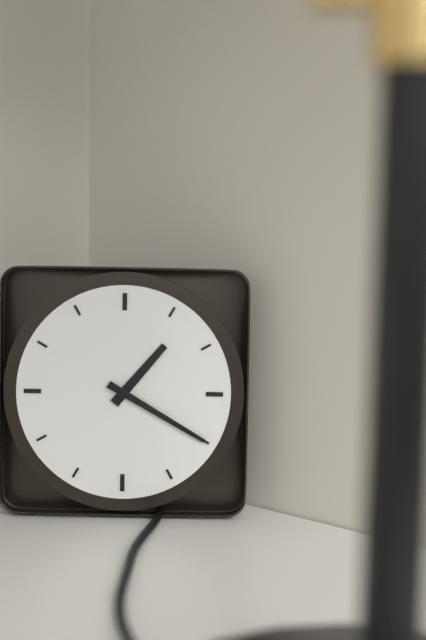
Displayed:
1.20
